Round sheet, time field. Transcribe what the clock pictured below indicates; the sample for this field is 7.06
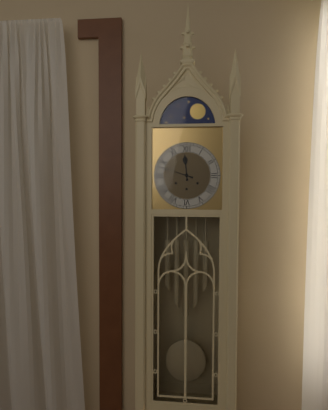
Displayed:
11.48
